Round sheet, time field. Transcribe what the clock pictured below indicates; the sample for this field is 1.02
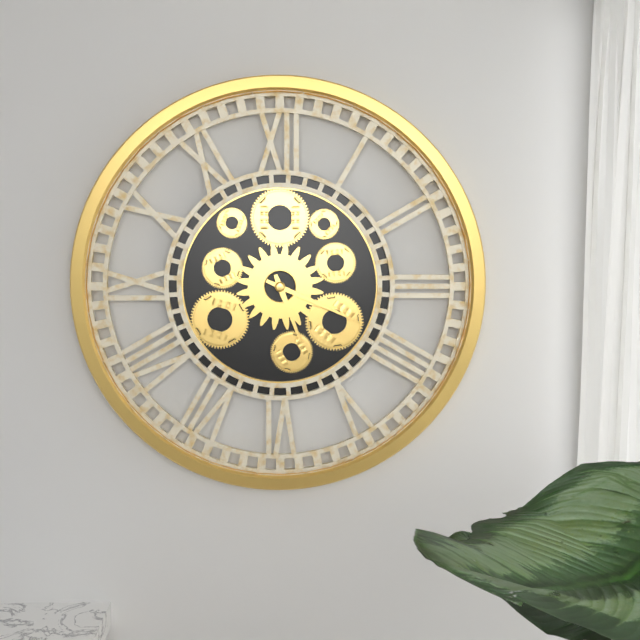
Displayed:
5.19
